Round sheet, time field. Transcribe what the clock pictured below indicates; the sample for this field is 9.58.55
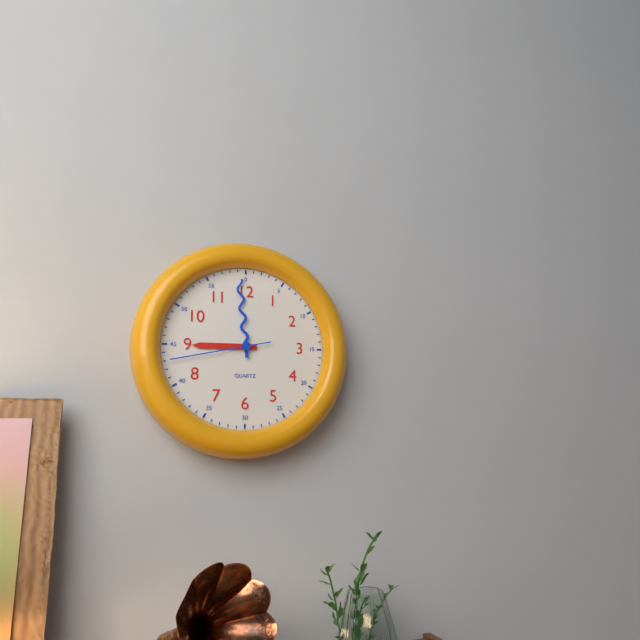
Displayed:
8.59.43
